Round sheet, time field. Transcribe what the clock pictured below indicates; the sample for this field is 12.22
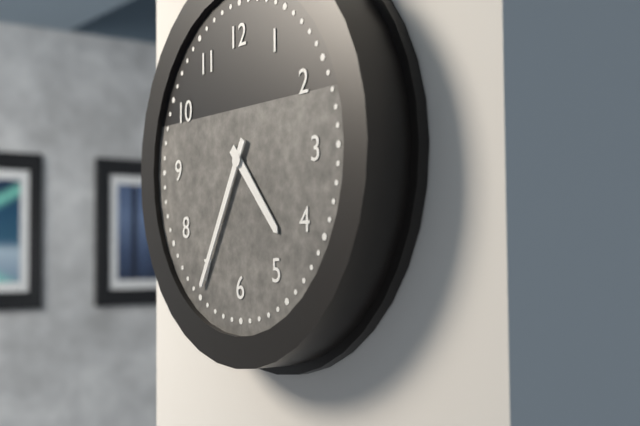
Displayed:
4.35
